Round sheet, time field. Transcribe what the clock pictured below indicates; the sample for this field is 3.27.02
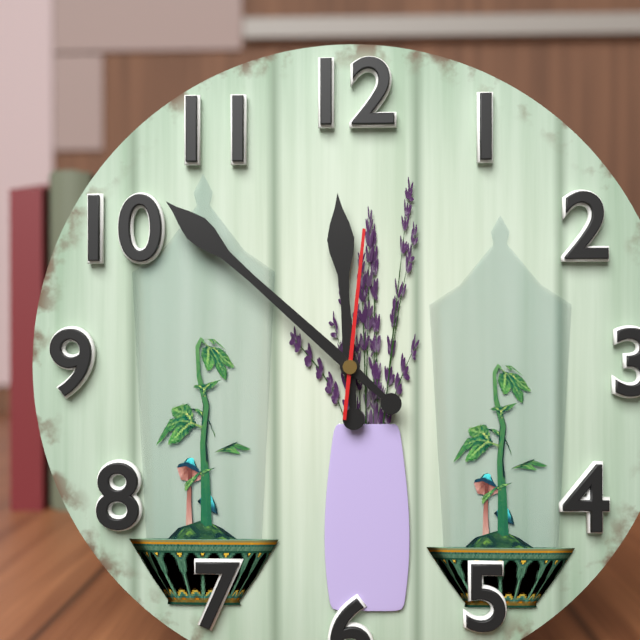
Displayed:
11.52.01
